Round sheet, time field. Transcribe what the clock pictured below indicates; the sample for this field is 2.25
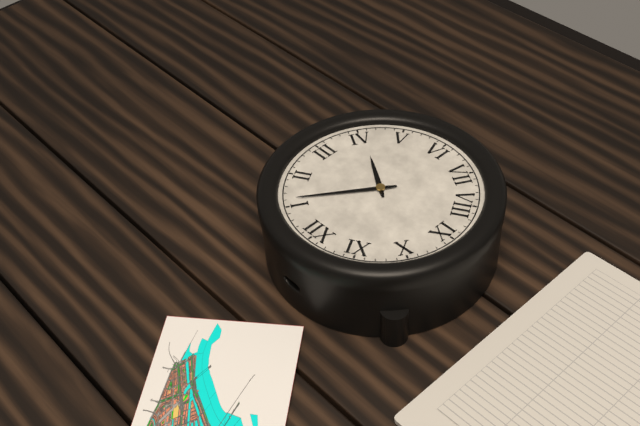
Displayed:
4.06
